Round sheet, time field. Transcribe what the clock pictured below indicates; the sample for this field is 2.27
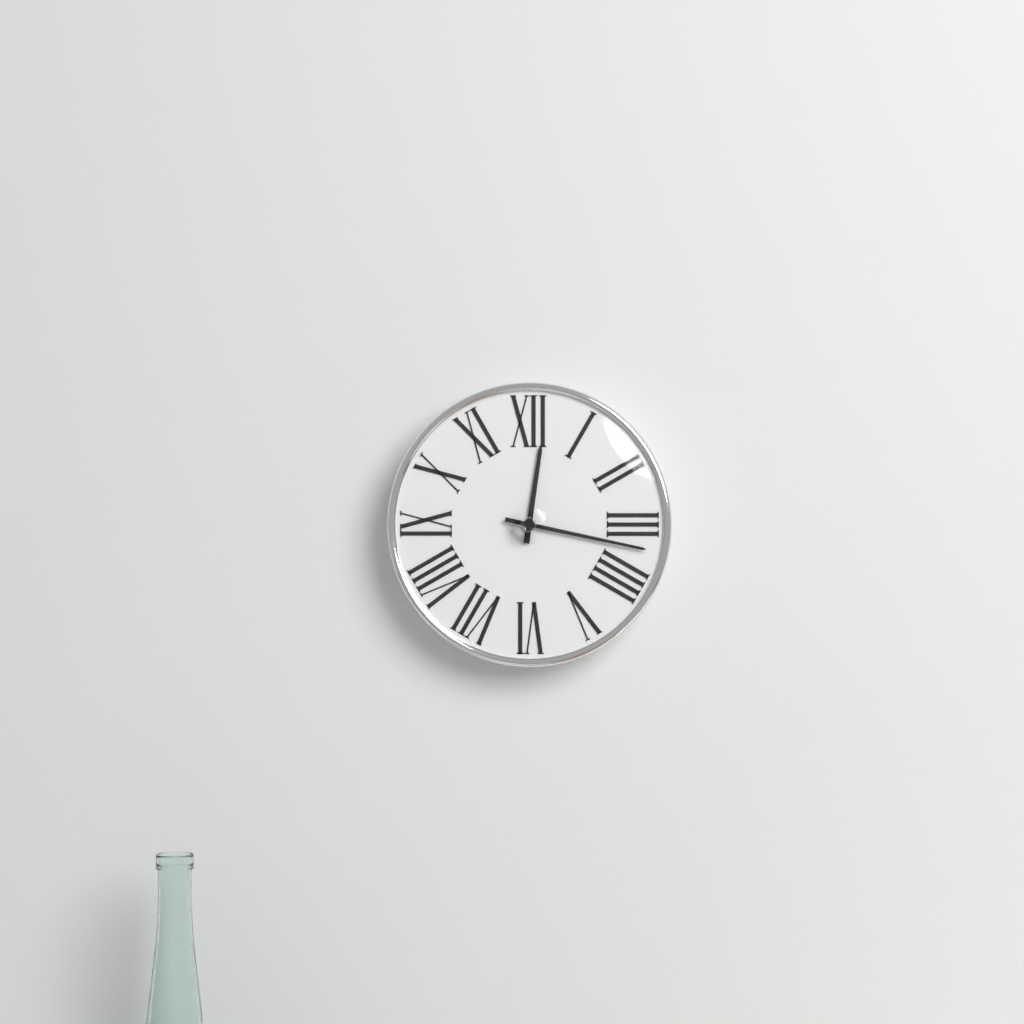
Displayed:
12.17
